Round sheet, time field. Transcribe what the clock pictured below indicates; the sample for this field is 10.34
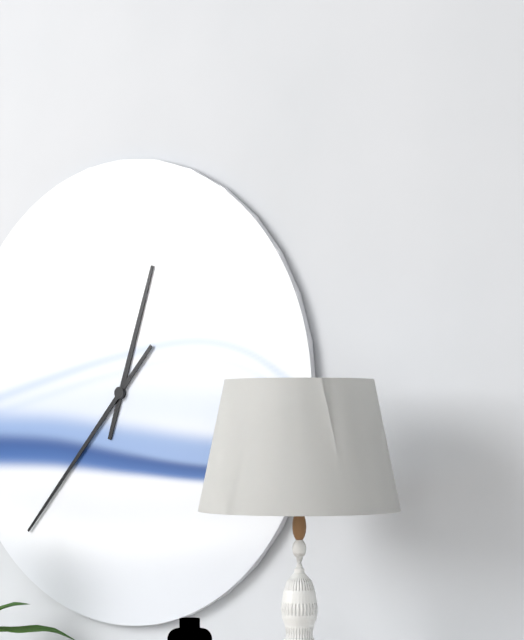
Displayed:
12.37
